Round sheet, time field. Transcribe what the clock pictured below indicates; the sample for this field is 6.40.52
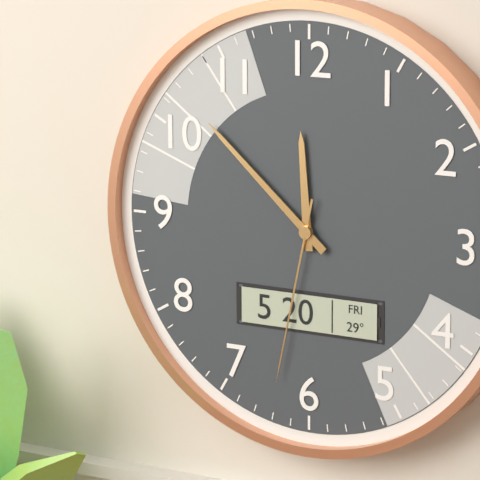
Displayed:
11.52.32
